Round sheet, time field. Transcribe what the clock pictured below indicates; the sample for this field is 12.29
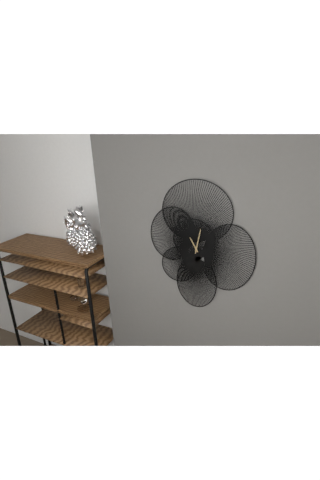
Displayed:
11.02
